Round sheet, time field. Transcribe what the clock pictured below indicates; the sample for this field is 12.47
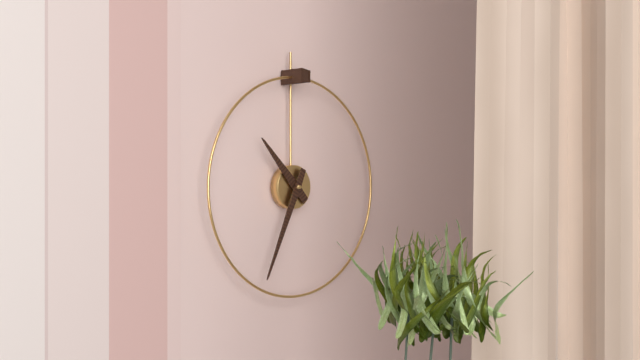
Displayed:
10.34
